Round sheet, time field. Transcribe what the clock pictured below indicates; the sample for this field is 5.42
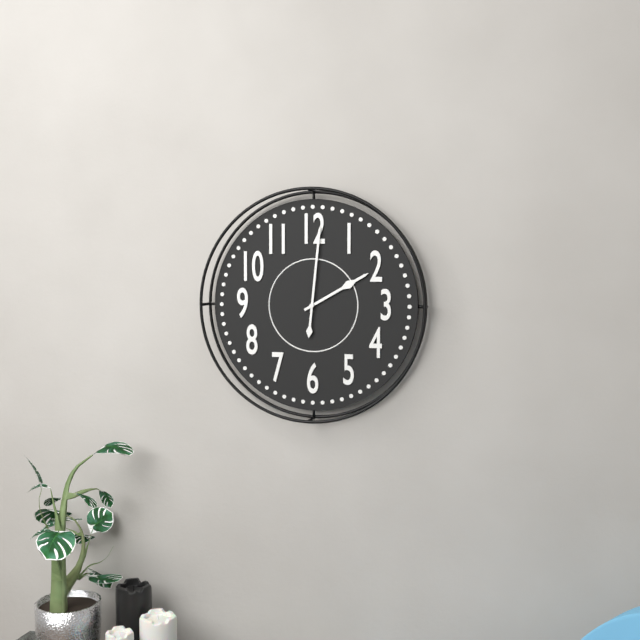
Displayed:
2.01
